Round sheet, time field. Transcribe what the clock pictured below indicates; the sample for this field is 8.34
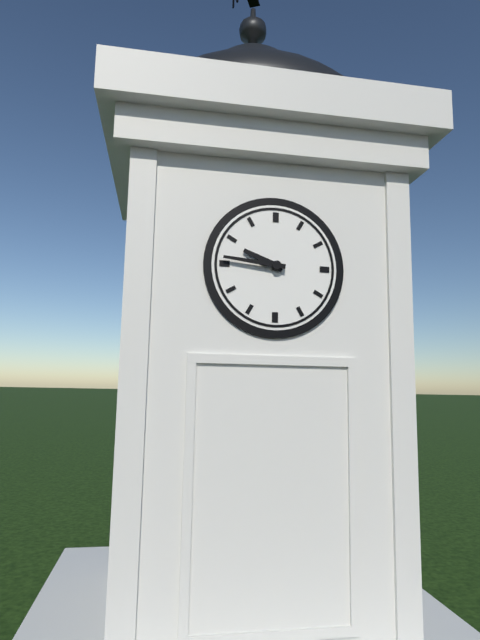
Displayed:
9.46
